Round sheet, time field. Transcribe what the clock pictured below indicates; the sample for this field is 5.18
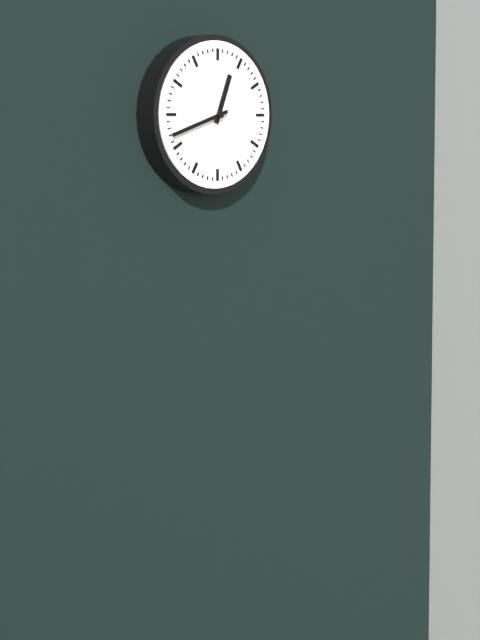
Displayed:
12.42
